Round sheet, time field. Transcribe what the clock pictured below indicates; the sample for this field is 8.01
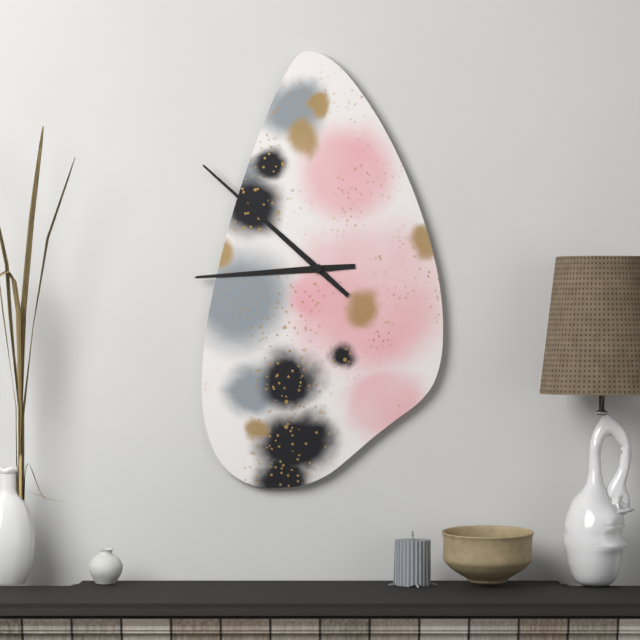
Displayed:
8.52
